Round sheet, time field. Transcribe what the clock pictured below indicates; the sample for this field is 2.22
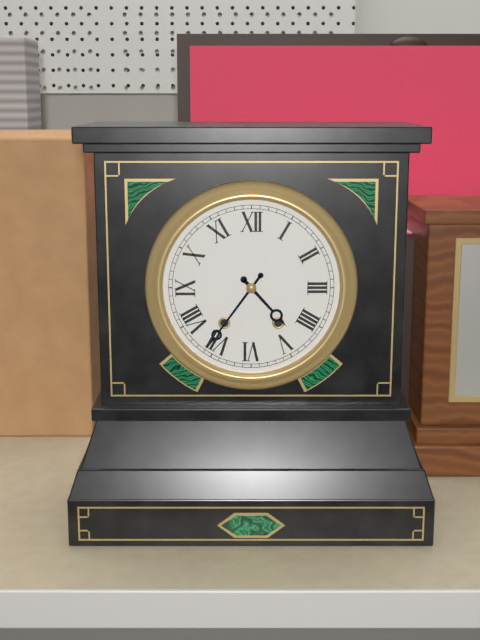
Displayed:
4.36
